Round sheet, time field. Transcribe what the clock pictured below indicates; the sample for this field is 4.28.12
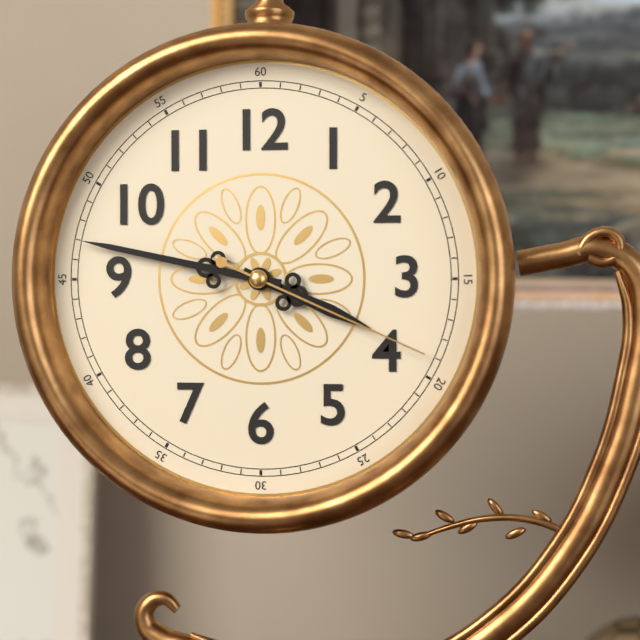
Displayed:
3.47.19
